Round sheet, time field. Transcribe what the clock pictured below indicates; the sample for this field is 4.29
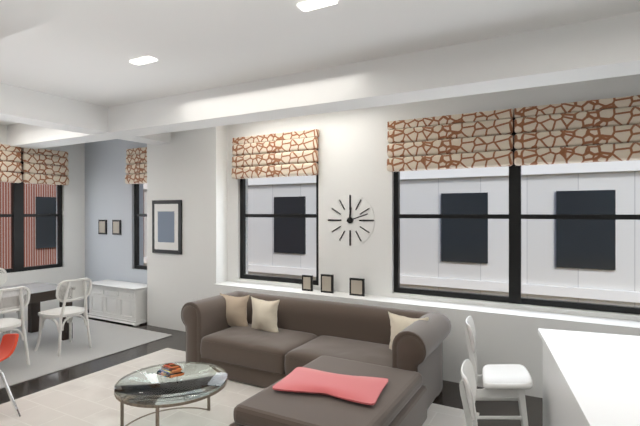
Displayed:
12.12
